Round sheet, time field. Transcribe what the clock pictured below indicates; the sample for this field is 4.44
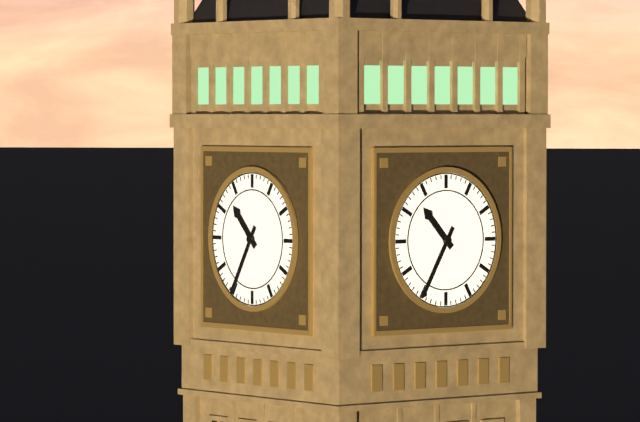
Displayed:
10.35
